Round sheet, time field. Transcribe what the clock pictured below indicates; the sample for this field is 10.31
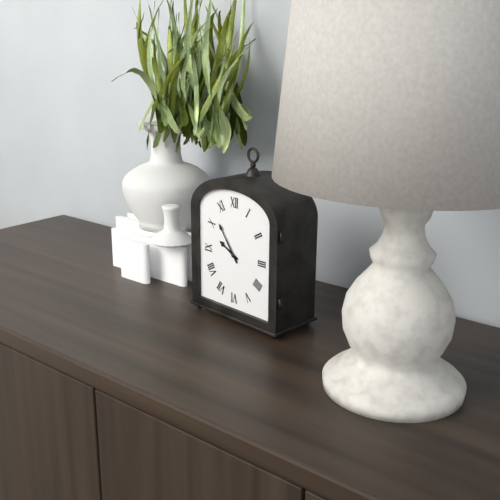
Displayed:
9.54
